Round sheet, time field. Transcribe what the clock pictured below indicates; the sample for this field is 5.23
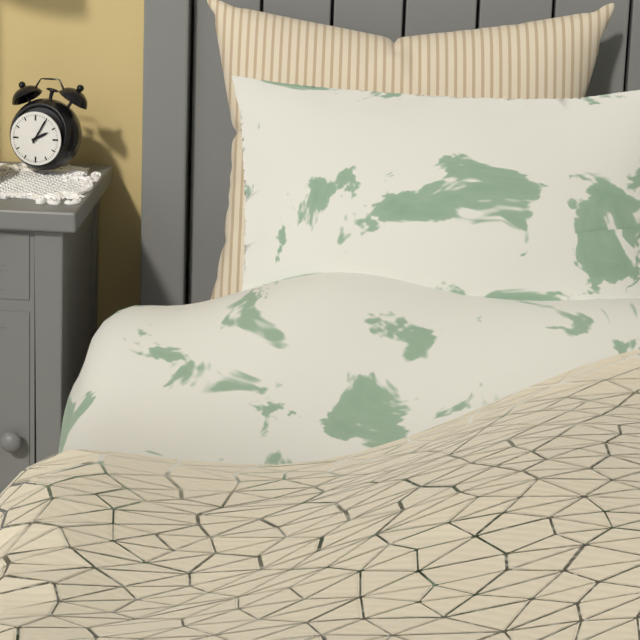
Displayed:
2.05
